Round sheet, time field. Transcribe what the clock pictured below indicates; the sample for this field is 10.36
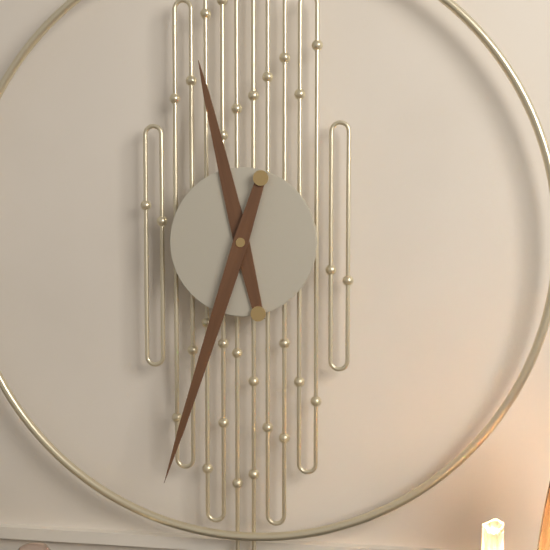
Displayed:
11.33
